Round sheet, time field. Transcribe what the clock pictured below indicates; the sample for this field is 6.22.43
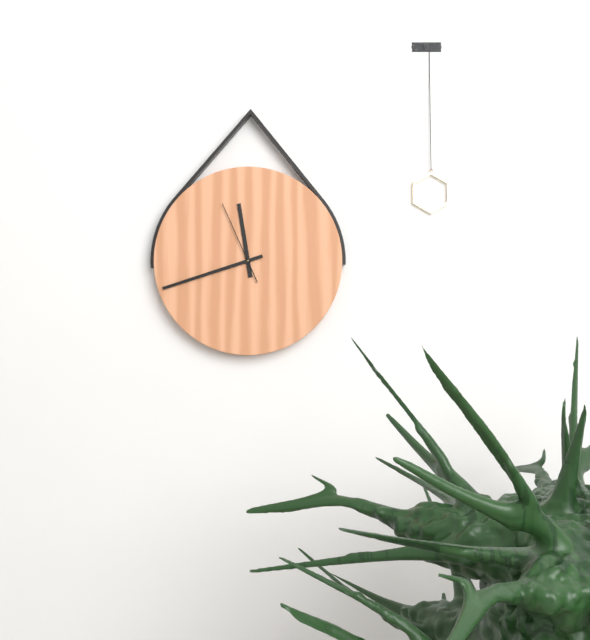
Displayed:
11.42.56
